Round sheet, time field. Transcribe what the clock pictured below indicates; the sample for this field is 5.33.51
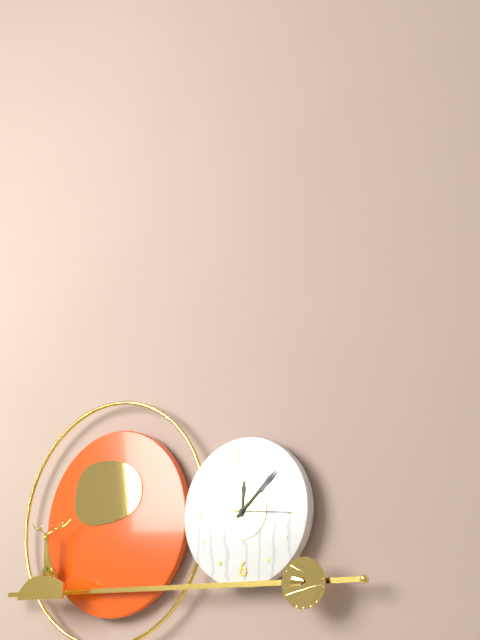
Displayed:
12.08.16
